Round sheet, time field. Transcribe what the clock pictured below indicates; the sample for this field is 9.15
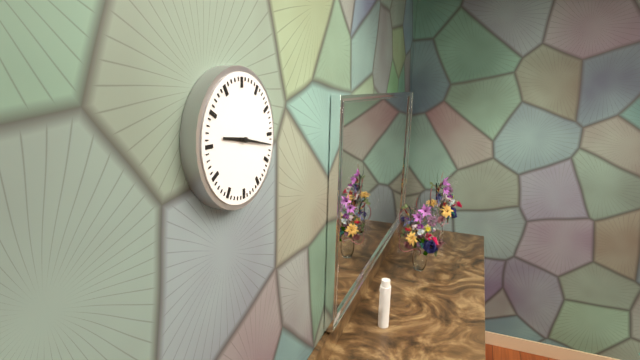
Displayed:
9.17
